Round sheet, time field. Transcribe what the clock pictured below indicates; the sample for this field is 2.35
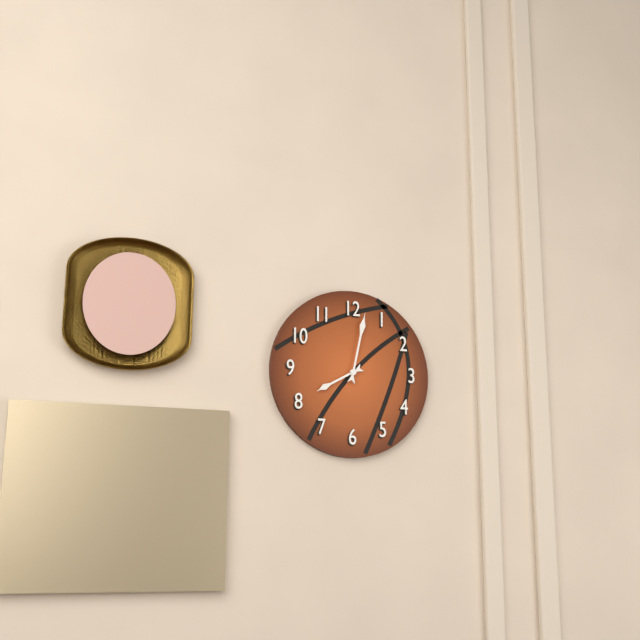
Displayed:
8.02
